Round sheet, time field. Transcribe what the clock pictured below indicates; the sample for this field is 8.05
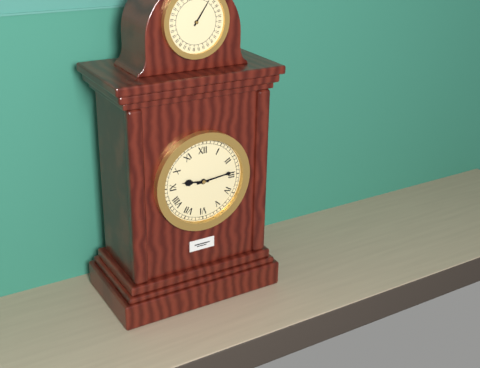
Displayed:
9.14
